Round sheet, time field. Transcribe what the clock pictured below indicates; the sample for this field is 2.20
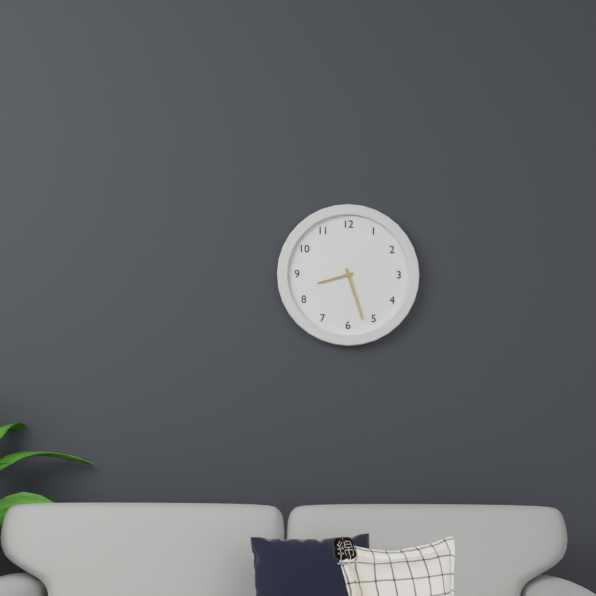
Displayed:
8.27
